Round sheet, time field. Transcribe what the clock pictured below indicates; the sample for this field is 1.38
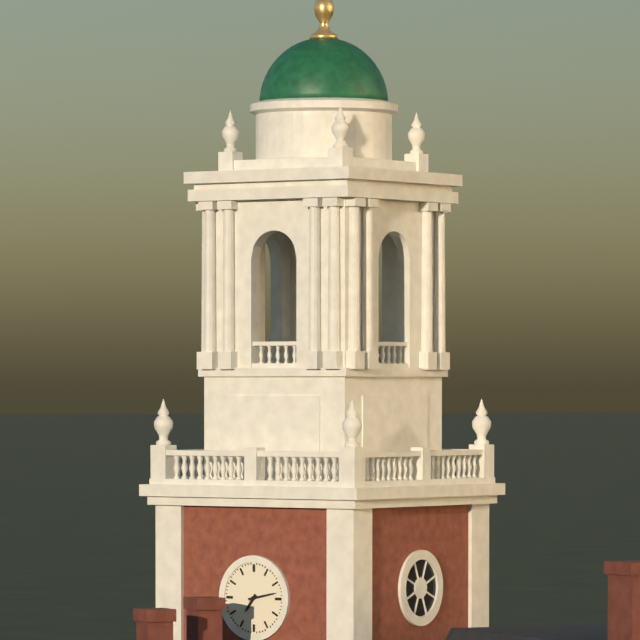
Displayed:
7.13
